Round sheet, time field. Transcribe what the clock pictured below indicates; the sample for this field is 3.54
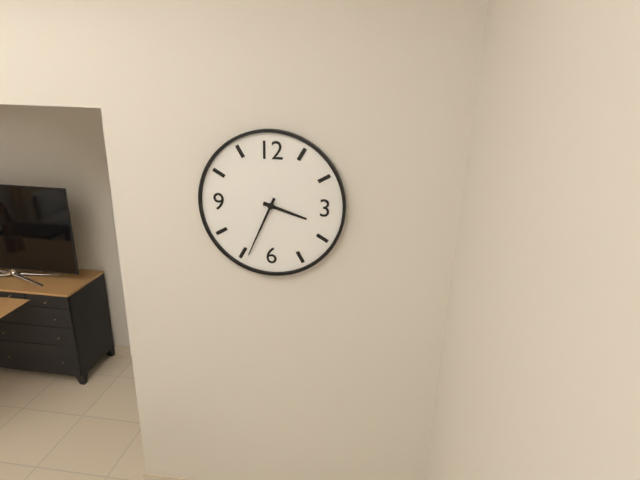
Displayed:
3.34
